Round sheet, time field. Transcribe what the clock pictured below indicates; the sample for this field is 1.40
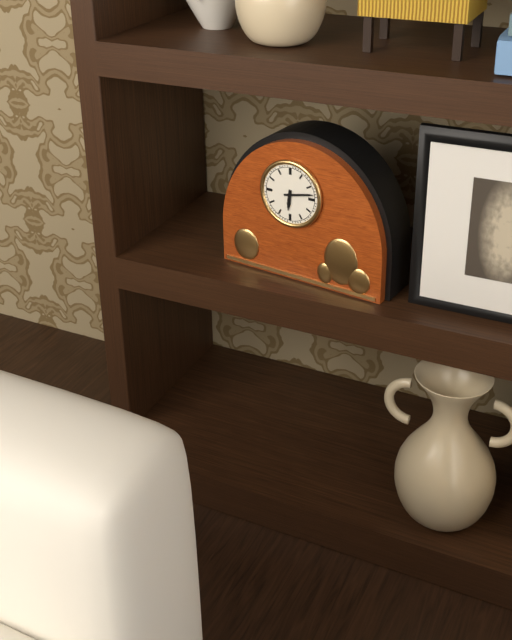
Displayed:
6.13
